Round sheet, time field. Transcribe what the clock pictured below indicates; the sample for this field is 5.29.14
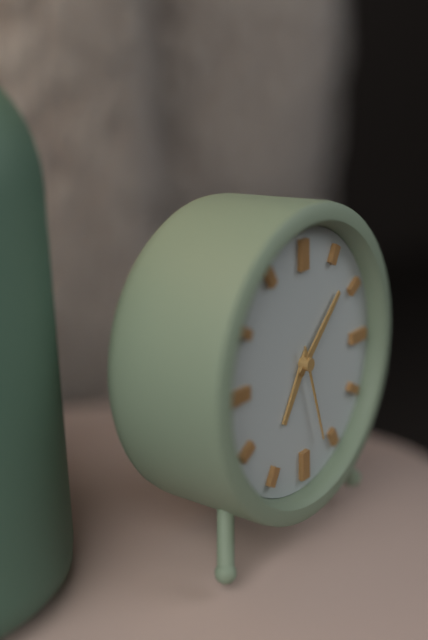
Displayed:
7.08.27
